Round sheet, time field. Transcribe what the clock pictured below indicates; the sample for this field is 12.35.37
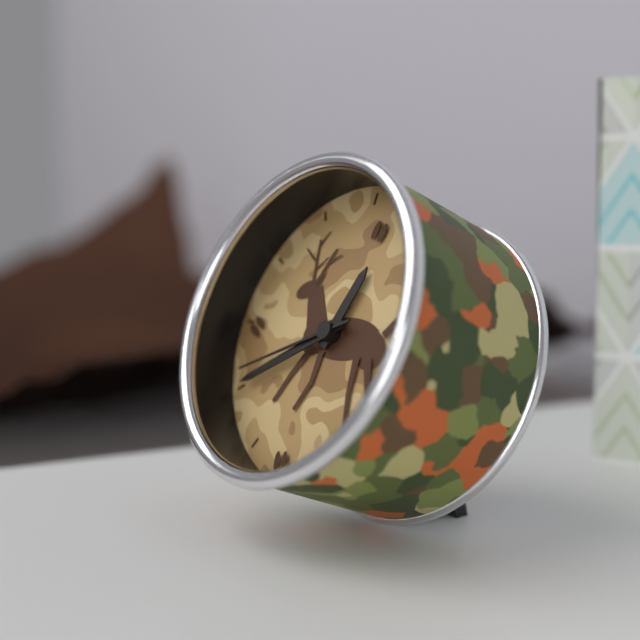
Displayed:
12.40.41
